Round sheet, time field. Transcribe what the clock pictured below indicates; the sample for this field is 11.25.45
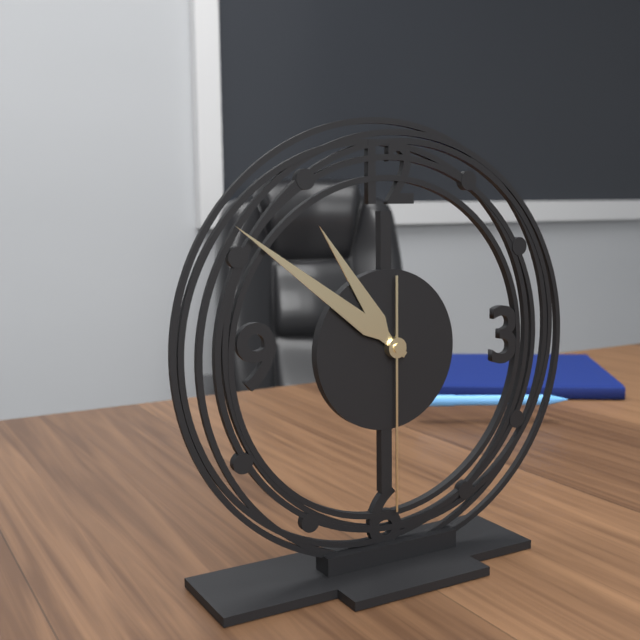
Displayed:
10.51.30
